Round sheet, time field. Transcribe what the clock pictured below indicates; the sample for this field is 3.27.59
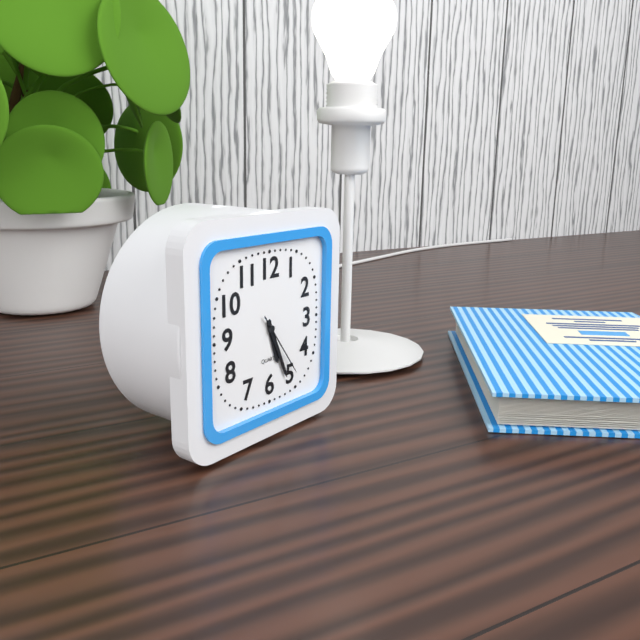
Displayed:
5.26.24
